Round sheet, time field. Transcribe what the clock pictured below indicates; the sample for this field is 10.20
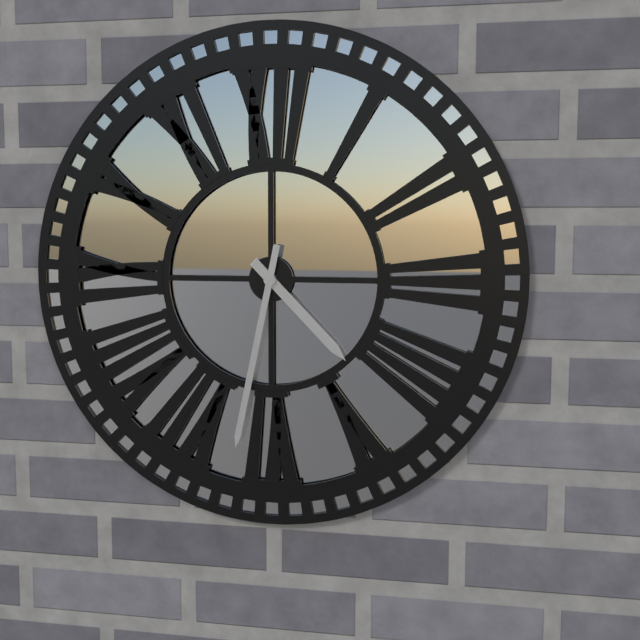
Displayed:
4.32
